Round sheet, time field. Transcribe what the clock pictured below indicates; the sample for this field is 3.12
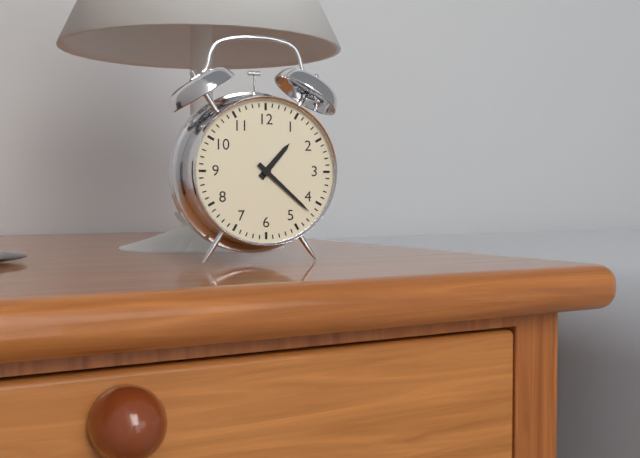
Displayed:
1.22
